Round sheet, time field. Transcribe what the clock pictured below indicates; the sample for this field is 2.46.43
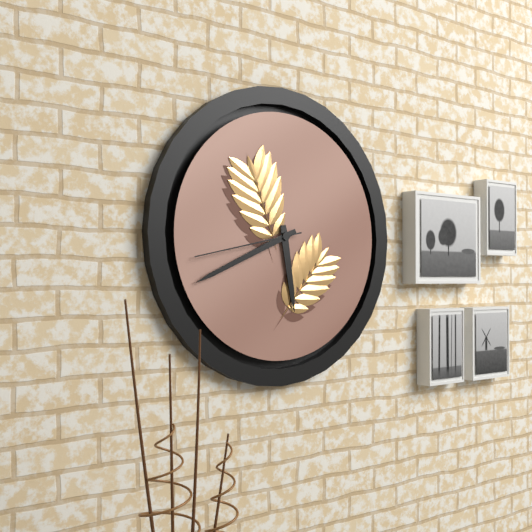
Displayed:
5.41.43
